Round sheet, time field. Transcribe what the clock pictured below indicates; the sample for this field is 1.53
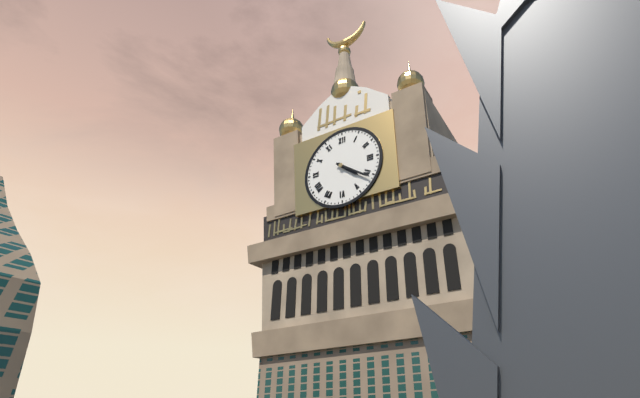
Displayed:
4.21
